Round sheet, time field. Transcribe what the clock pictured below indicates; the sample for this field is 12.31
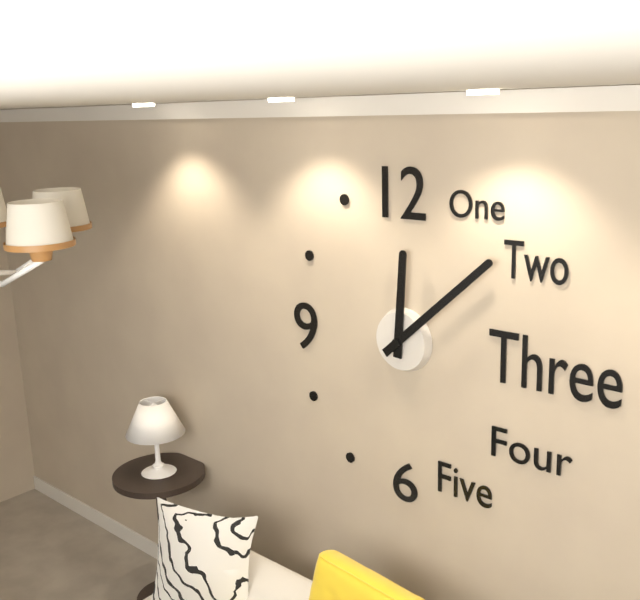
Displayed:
12.08
